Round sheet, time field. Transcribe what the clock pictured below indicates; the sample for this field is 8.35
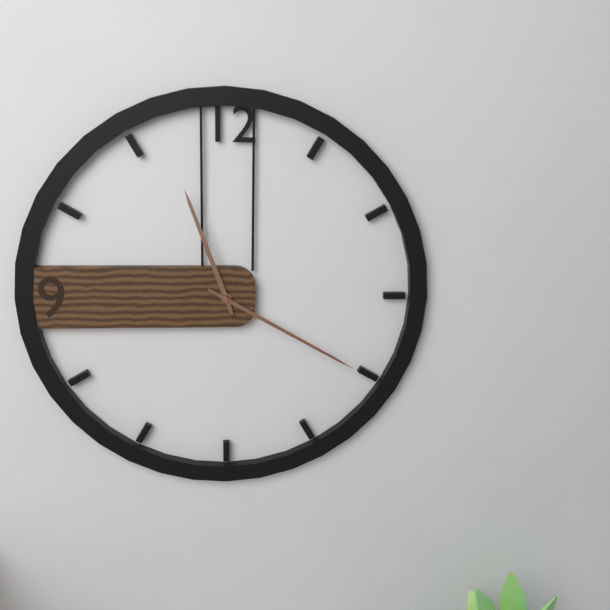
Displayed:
11.20
